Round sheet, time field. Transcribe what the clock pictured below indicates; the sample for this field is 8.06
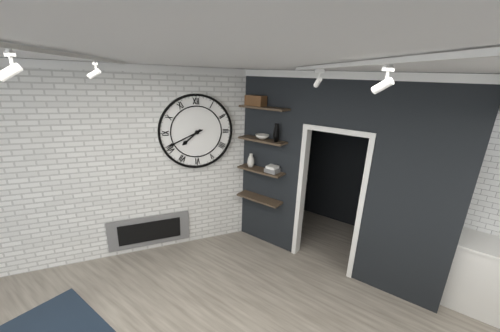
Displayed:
7.41
